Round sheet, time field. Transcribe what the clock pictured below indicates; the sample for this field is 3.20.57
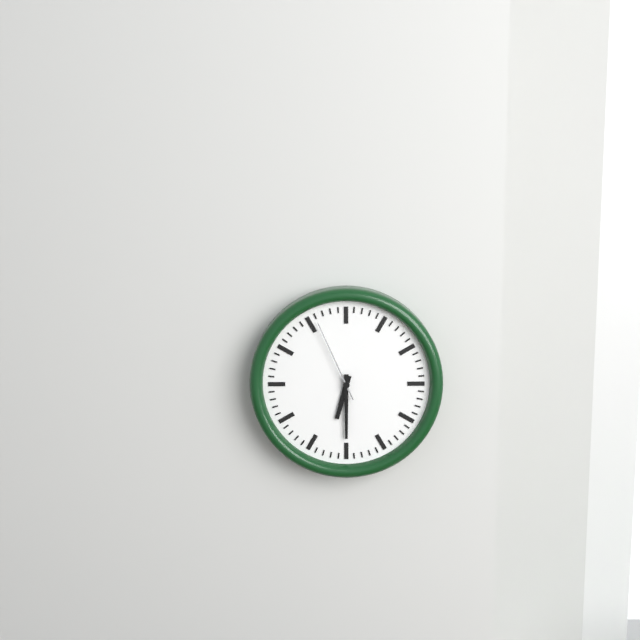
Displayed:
6.30.56
